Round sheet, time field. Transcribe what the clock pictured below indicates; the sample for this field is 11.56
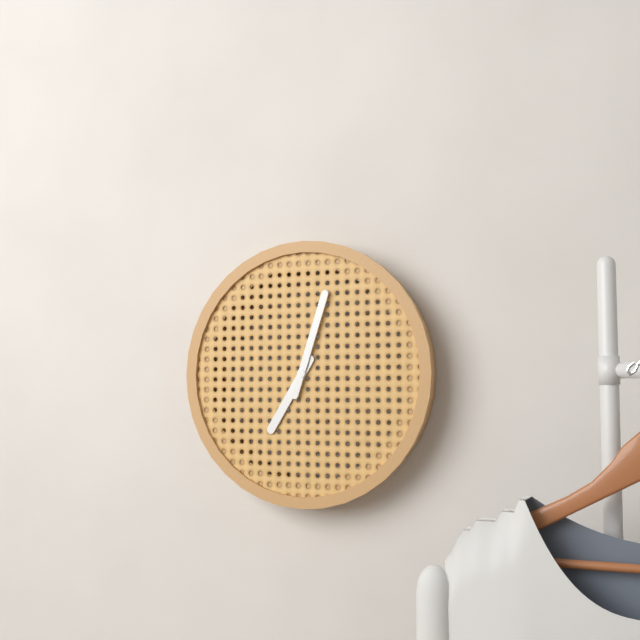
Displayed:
7.03
